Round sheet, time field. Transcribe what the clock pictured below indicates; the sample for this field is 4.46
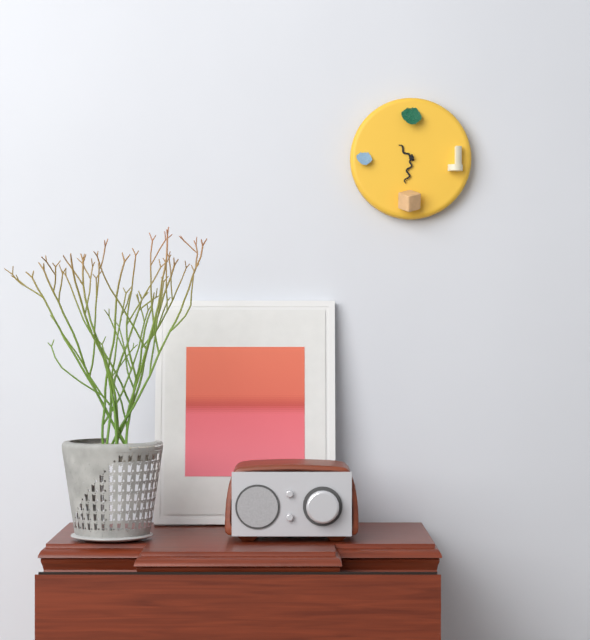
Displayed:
10.32
